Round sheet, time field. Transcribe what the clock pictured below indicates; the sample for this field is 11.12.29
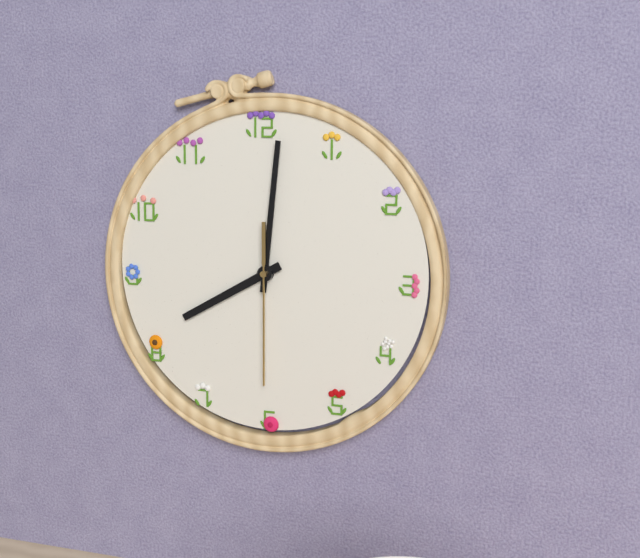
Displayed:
8.01.30
